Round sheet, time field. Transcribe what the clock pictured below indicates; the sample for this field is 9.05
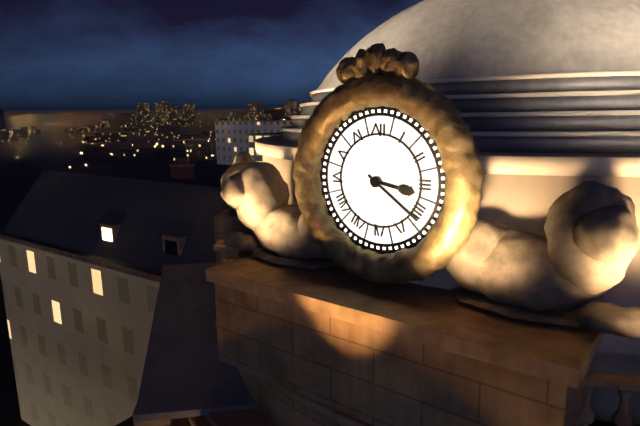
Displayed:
3.21
